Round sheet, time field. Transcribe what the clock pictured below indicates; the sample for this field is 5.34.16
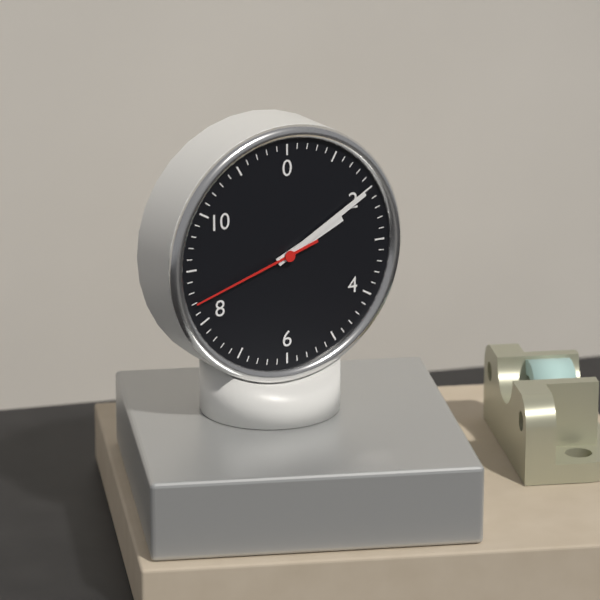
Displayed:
2.10.42
